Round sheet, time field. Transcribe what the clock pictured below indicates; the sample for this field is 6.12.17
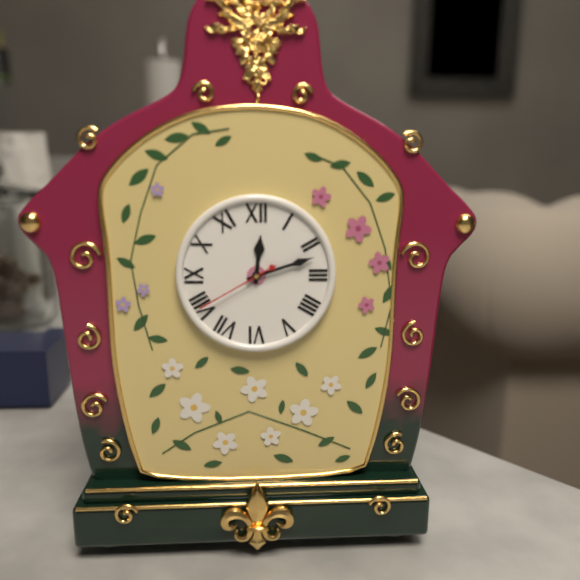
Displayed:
12.12.40
